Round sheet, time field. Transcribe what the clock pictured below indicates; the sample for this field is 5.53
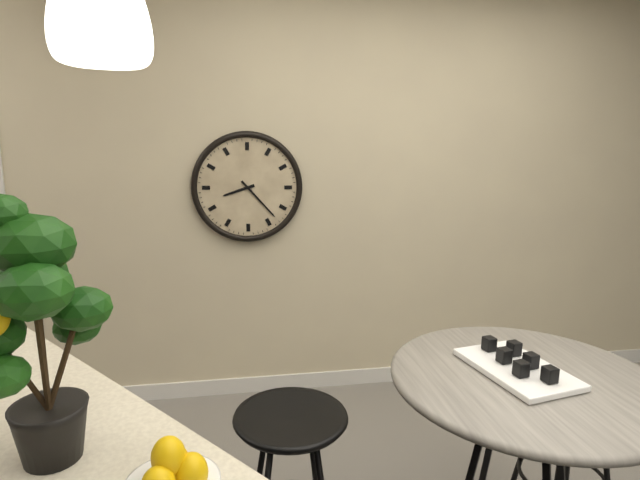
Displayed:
8.23
